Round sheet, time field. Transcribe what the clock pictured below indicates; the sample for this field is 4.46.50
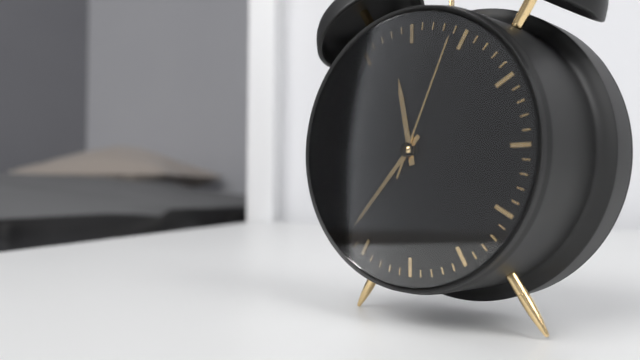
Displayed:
11.37.04
